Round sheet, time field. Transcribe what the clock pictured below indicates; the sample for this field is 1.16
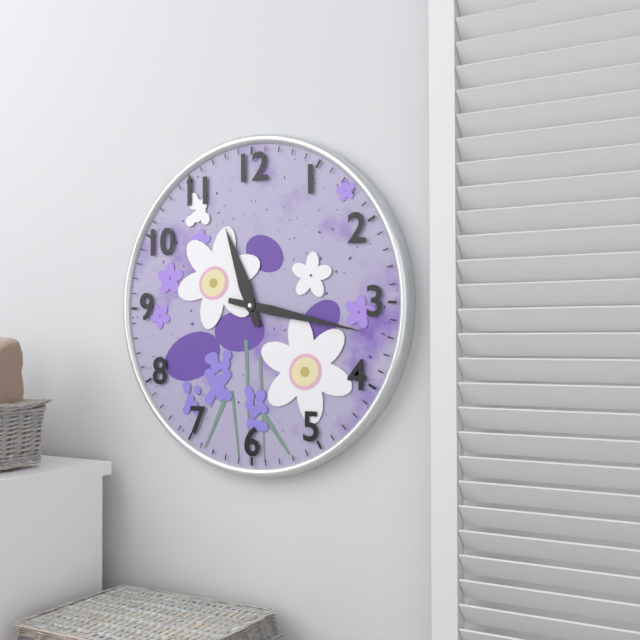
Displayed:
11.17
